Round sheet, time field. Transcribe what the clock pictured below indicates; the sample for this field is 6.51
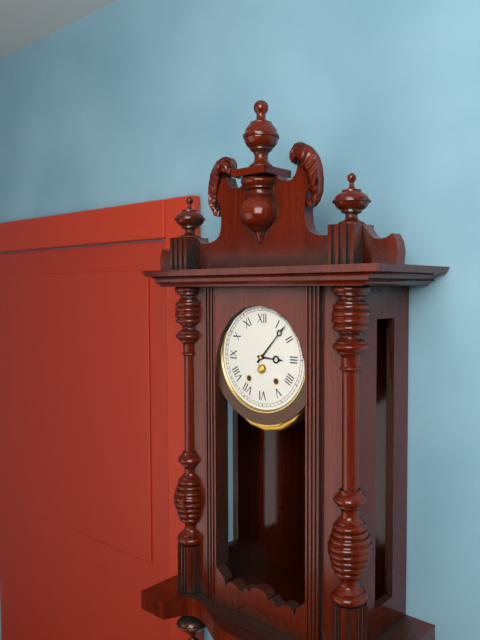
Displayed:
3.07
